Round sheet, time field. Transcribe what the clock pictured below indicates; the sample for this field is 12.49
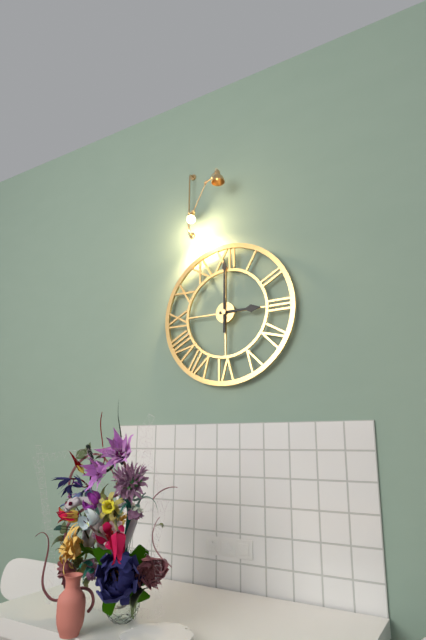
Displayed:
3.00
